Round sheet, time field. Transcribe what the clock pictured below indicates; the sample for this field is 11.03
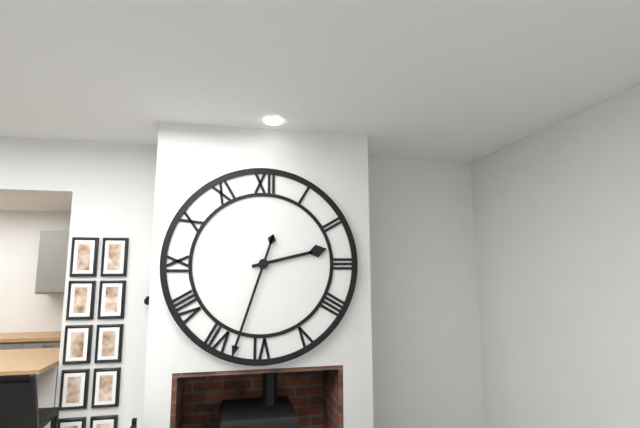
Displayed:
2.33
